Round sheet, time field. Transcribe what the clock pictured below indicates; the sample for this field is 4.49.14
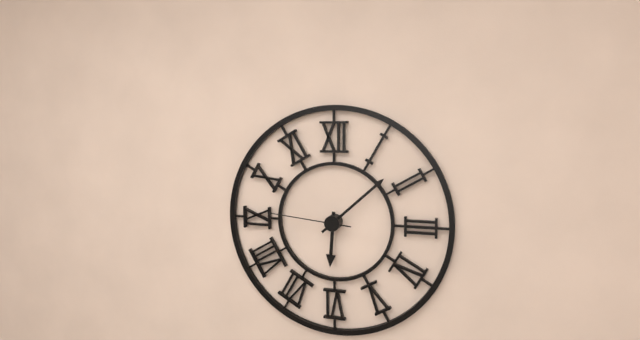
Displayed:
6.08.46
